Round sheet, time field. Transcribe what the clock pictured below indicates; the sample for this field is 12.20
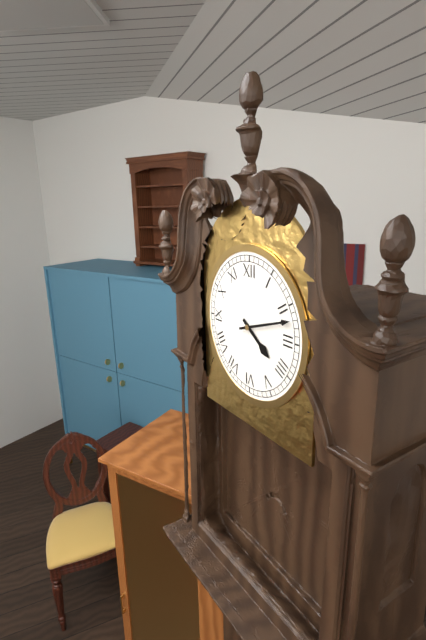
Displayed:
4.12
